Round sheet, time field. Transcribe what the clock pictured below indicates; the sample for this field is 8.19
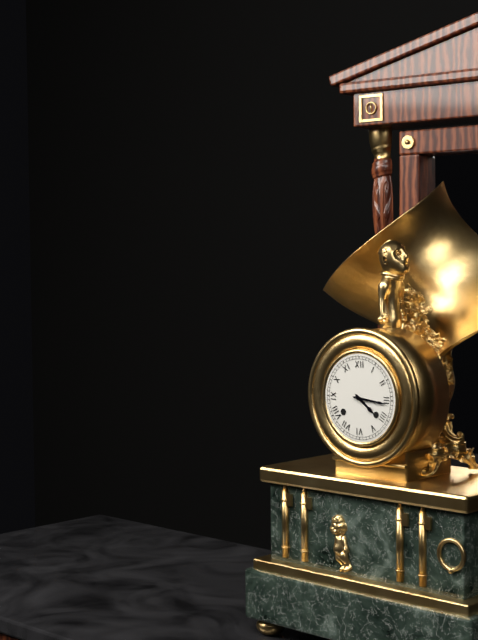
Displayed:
4.16
